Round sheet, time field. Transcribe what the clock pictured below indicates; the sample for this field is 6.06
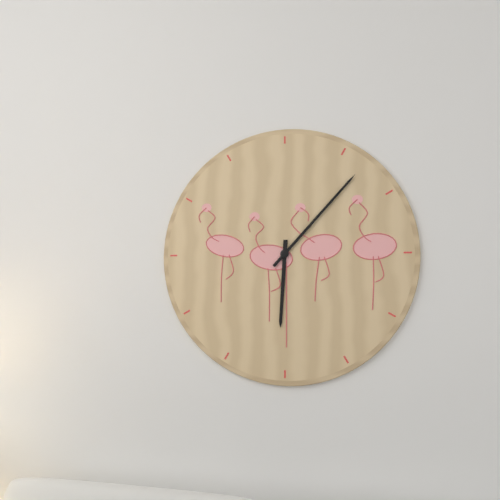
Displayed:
6.07
